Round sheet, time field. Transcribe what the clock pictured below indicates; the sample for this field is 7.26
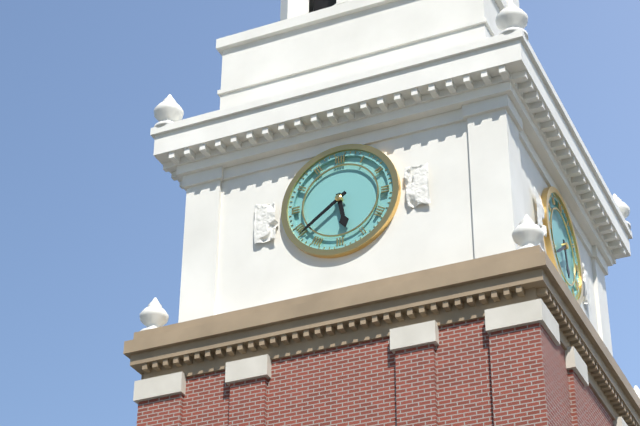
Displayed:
5.39
